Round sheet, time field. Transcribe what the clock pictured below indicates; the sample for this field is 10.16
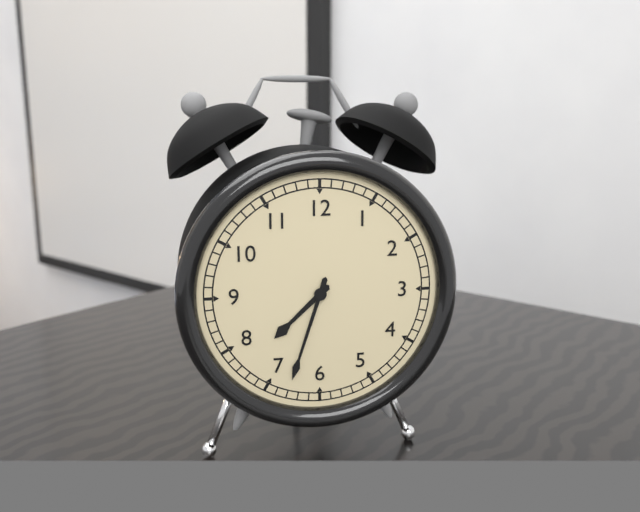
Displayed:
7.33
